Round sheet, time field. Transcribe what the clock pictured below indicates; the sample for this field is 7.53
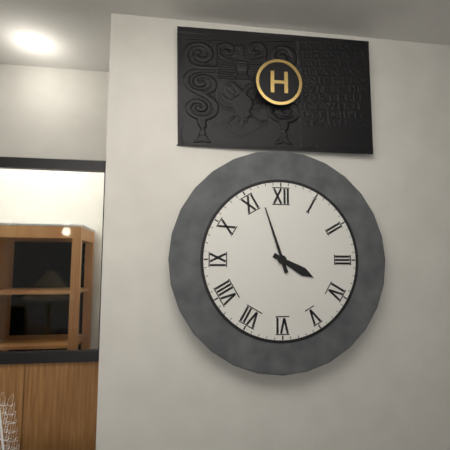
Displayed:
3.57
